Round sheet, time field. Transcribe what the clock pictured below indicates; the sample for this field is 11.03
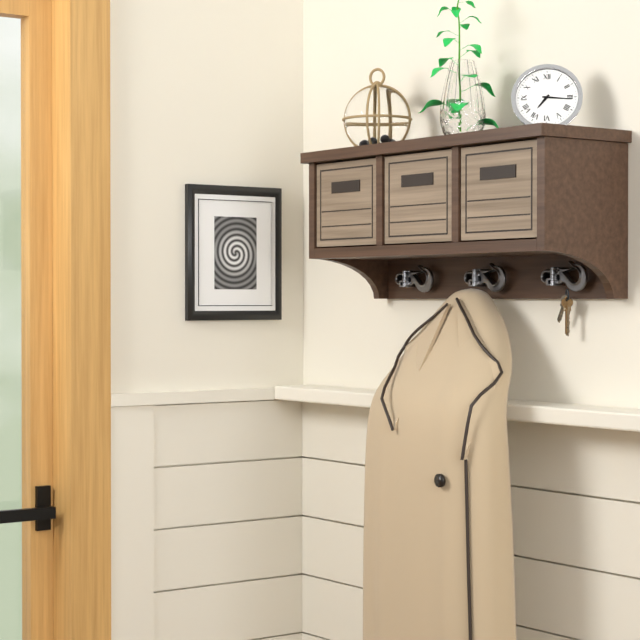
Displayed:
7.16
